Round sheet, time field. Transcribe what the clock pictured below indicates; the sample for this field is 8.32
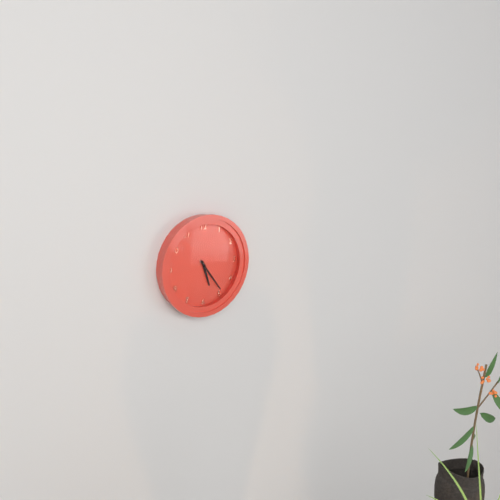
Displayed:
5.24
